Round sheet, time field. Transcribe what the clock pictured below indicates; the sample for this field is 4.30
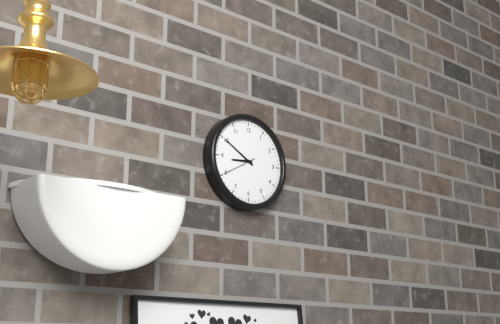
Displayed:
8.50
